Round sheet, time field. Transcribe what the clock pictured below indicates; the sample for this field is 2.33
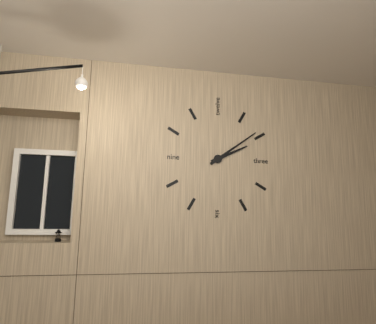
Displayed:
2.09
